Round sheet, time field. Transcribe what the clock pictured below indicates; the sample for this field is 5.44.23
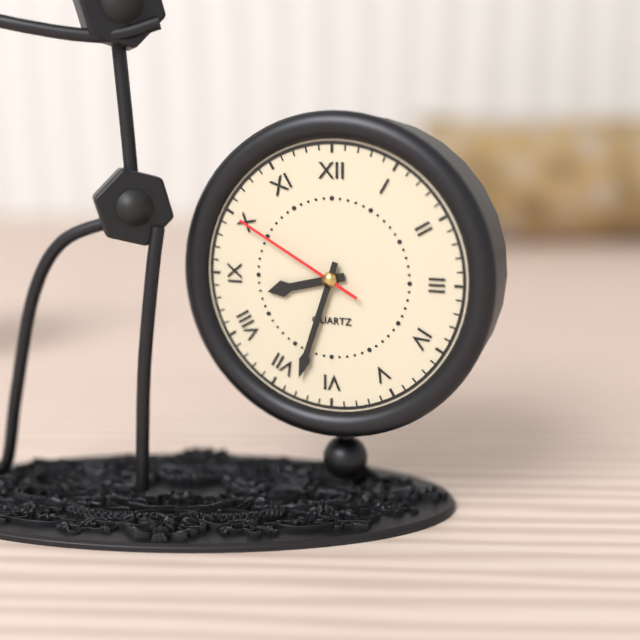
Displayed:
8.33.50
